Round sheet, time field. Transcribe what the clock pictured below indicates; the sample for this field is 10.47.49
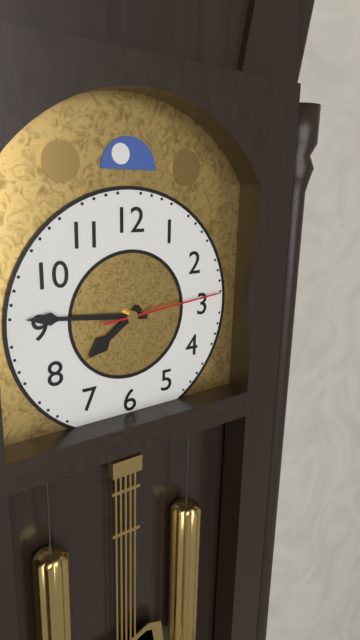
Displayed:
7.46.14
